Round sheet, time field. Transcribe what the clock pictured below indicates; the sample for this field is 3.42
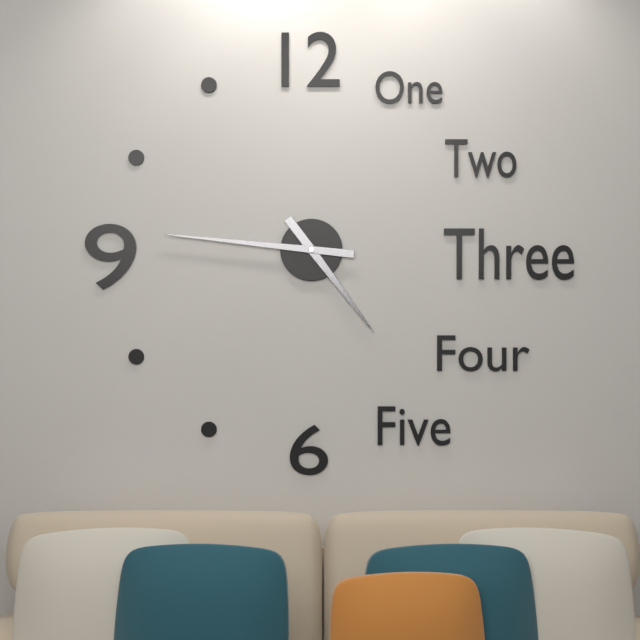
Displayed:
4.46
